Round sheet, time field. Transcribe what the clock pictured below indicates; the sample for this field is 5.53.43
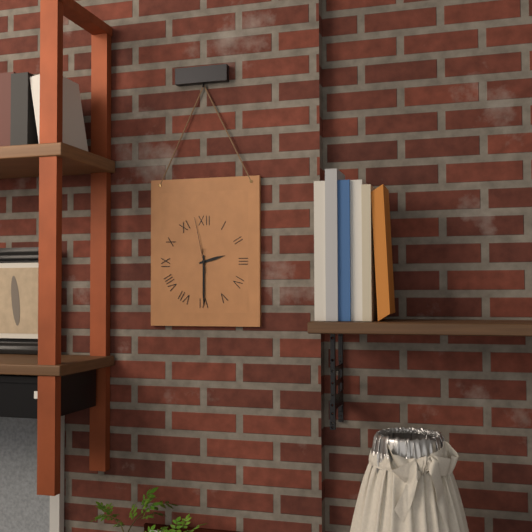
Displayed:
2.30.58
